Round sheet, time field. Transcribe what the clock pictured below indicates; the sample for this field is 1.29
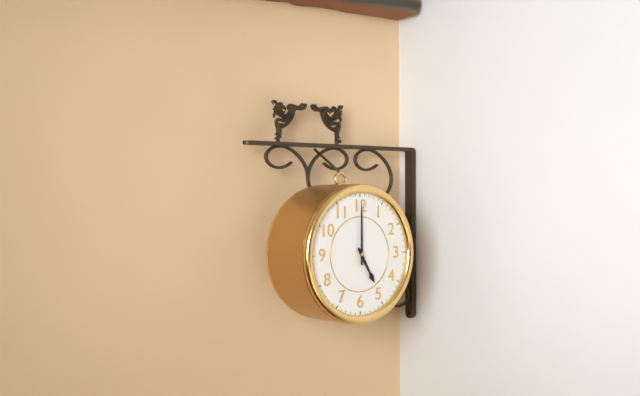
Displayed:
5.00
